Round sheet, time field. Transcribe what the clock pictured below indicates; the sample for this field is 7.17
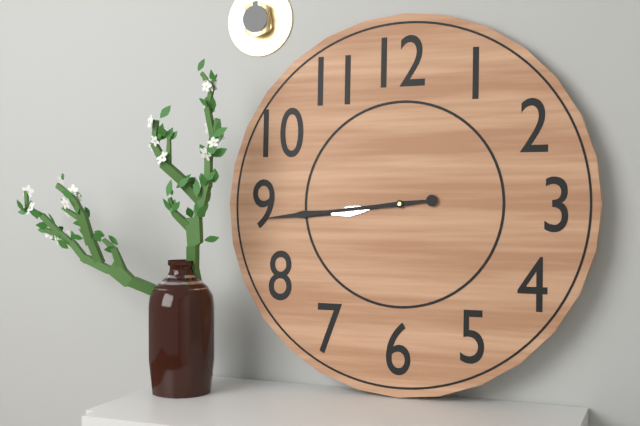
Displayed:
8.44
